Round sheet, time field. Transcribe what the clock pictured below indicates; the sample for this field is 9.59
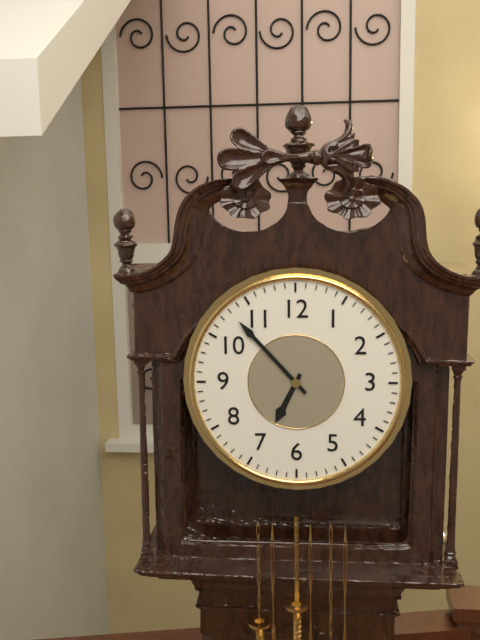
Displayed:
6.53
